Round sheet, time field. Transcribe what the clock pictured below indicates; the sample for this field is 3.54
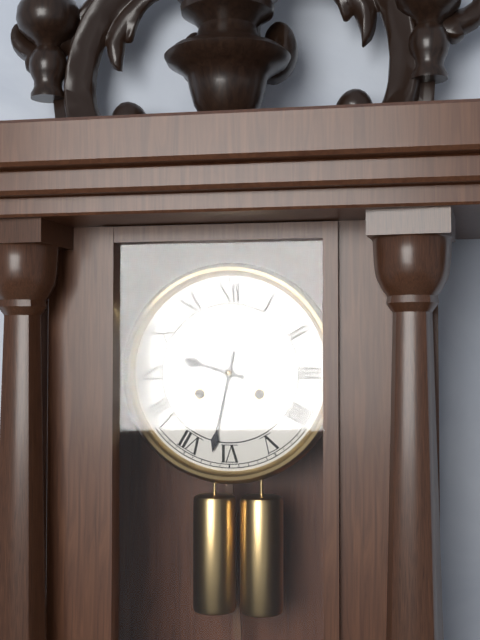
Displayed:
9.32
